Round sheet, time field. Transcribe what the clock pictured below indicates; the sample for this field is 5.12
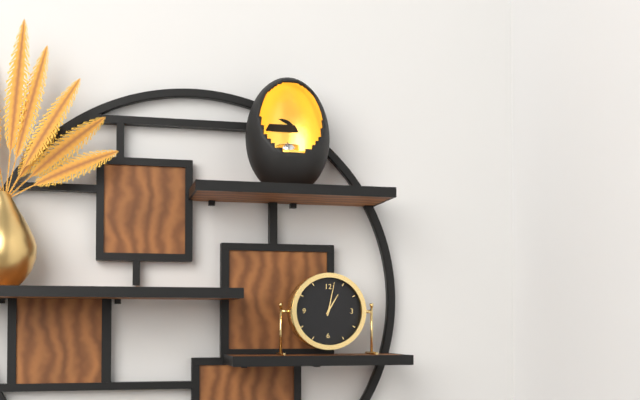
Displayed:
1.02
